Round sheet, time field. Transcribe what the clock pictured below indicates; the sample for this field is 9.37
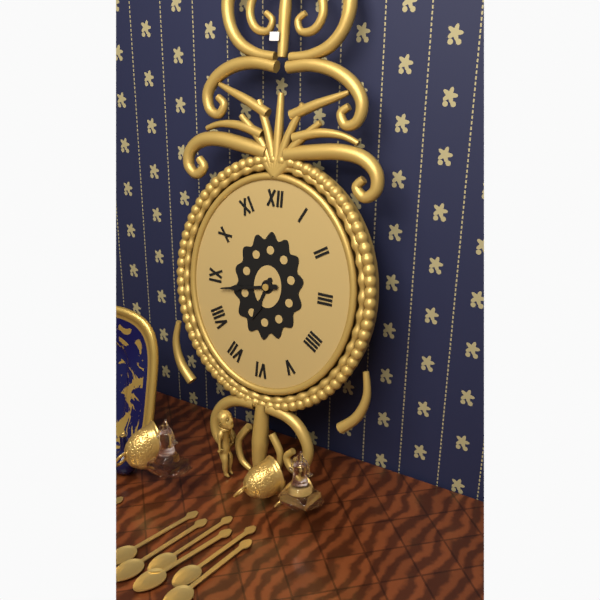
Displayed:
6.43
